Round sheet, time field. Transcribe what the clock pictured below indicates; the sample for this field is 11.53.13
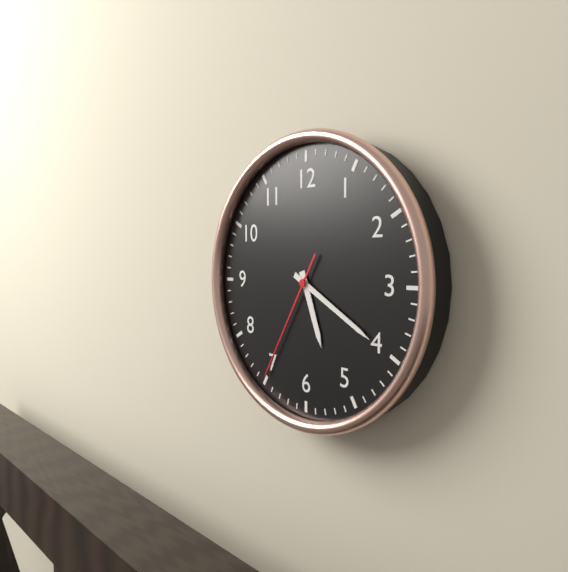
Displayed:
5.20.35
